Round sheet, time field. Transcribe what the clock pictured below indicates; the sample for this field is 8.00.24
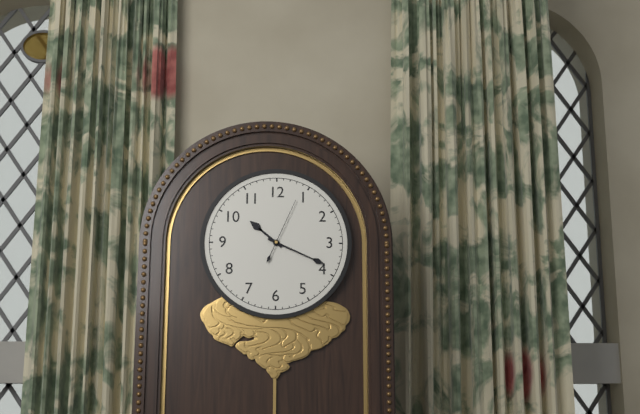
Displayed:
10.19.04
